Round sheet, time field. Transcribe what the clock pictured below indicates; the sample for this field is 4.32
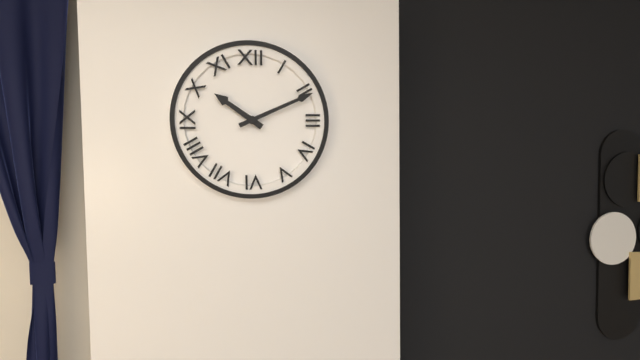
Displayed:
10.11
